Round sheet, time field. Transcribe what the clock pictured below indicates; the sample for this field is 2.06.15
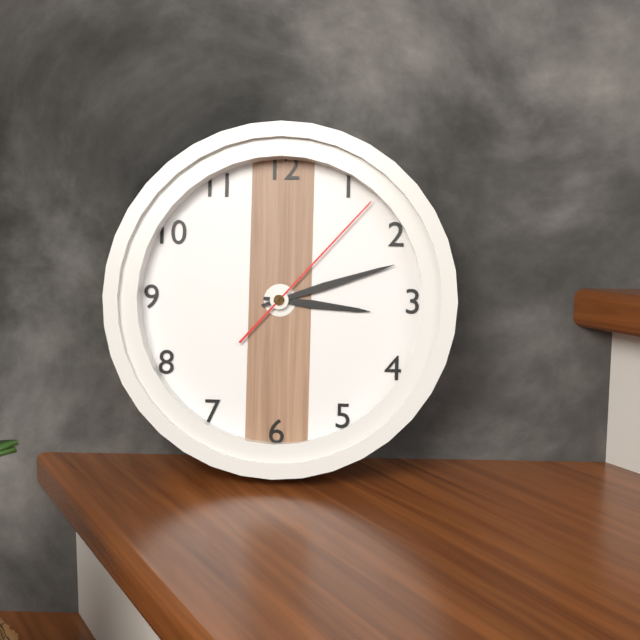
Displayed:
3.12.07
